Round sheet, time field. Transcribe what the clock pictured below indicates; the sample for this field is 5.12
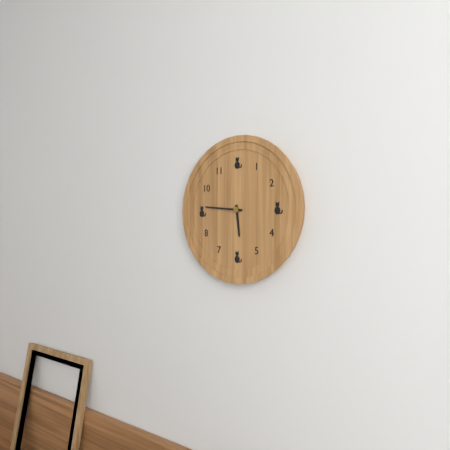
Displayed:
5.46
